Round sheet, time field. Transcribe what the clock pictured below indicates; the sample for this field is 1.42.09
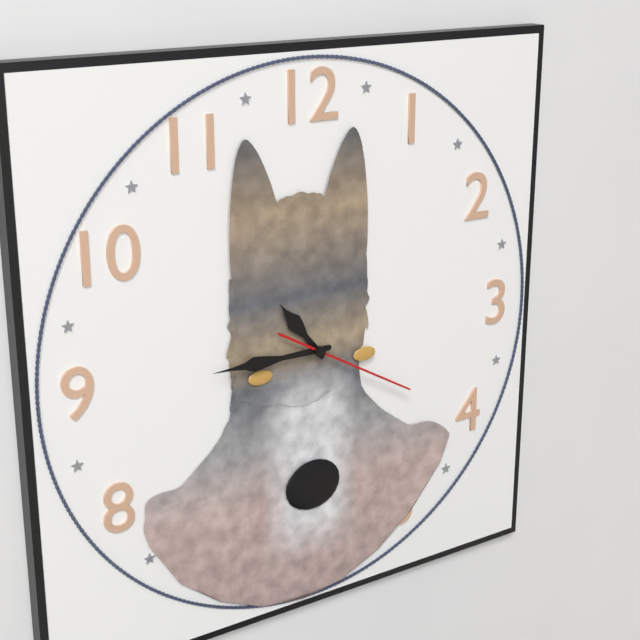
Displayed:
10.45.20
